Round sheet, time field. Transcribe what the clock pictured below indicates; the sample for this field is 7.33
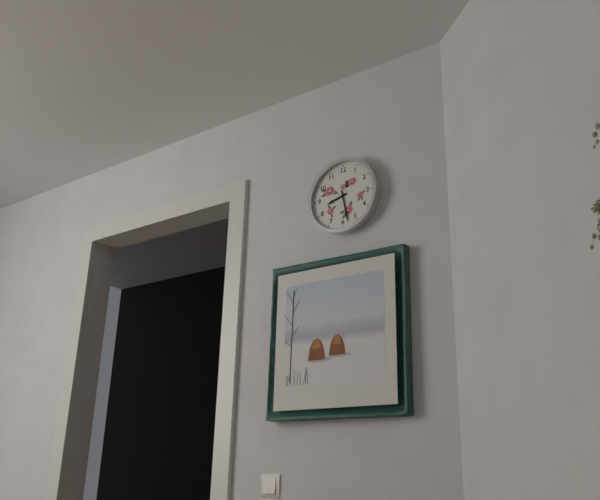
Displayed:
8.28
